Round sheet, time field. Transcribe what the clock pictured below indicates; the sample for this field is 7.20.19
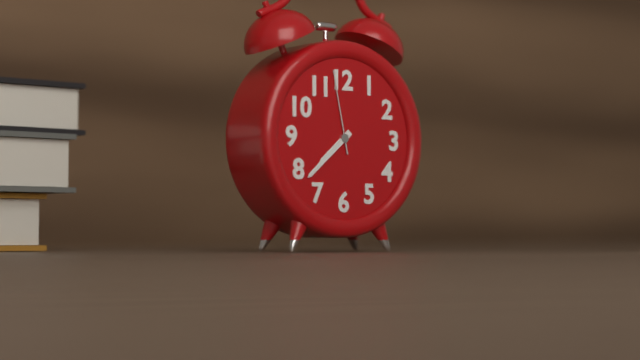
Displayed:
7.38.58
